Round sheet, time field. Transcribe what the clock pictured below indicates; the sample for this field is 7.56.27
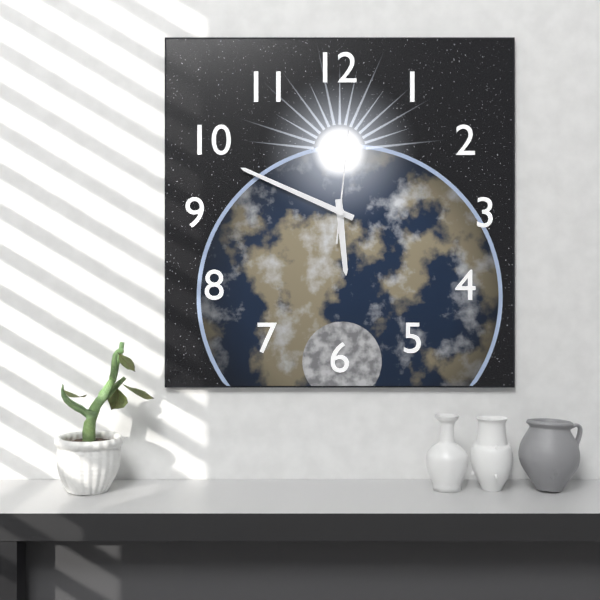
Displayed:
5.49.01
